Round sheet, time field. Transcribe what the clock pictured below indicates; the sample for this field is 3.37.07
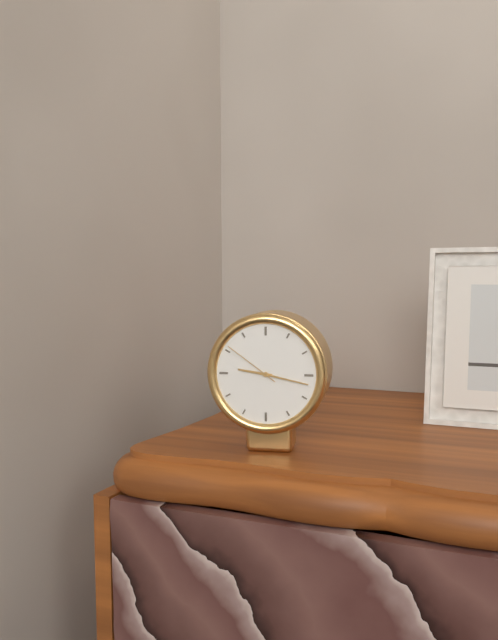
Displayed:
9.17.51
